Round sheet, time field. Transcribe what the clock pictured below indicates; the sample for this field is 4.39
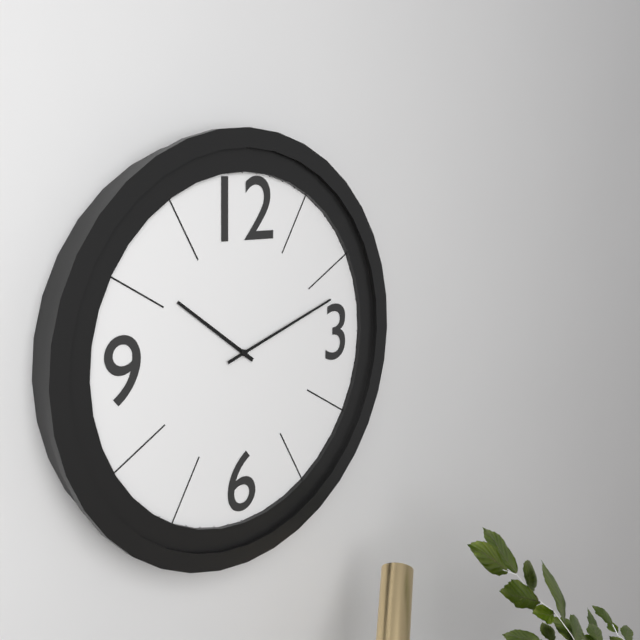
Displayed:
10.12
